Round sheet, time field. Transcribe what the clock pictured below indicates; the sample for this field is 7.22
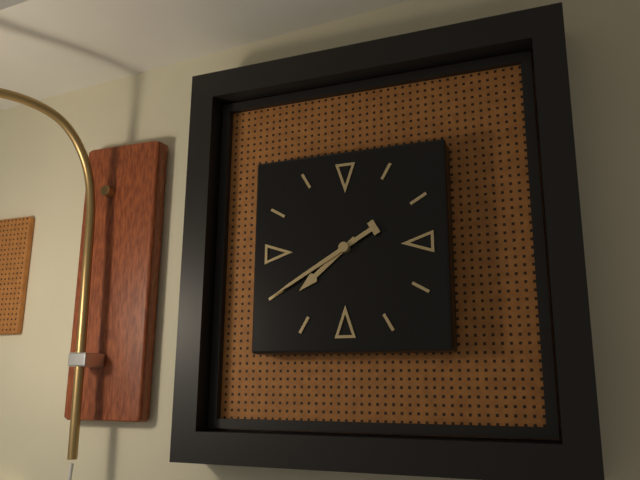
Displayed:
7.40
